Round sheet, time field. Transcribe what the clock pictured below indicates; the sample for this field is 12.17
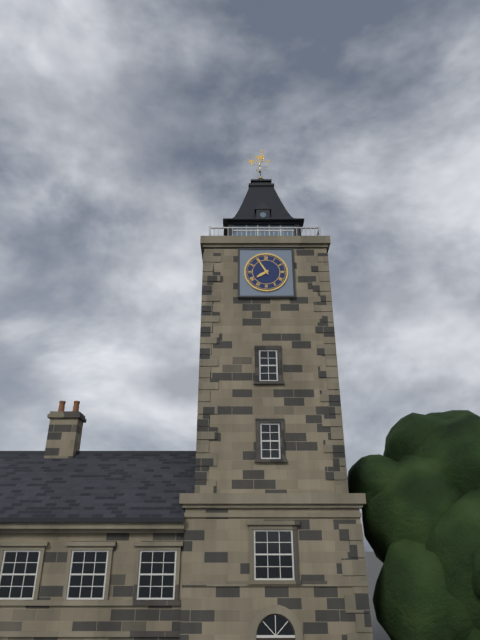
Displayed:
7.55
